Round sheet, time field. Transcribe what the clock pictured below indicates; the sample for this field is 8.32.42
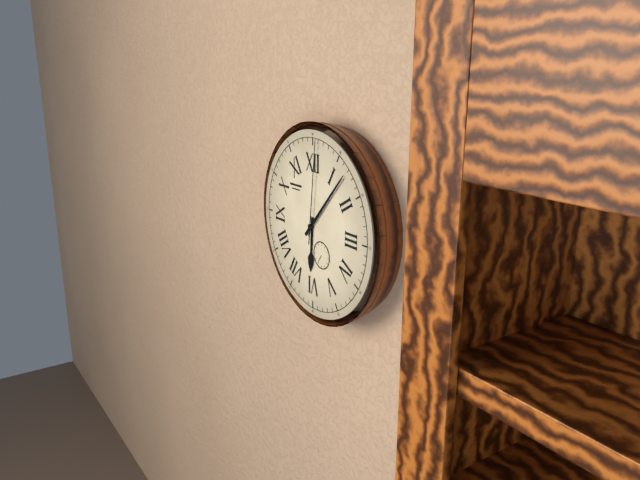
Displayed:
6.07.01
